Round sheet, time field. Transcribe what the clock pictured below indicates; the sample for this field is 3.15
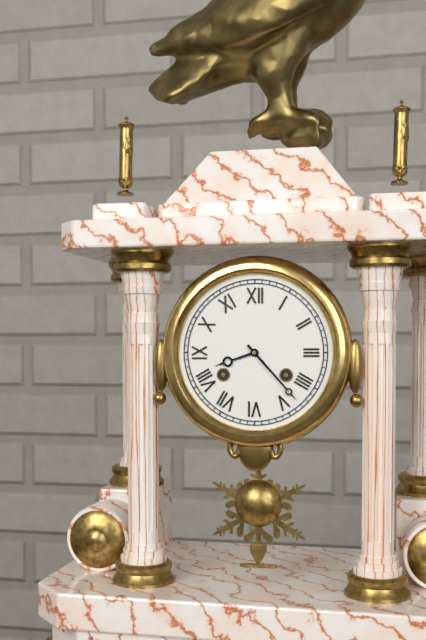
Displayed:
8.23
